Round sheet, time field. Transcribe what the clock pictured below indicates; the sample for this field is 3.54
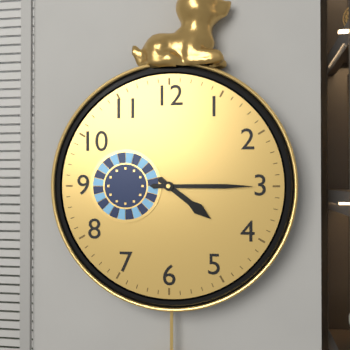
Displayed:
4.15
